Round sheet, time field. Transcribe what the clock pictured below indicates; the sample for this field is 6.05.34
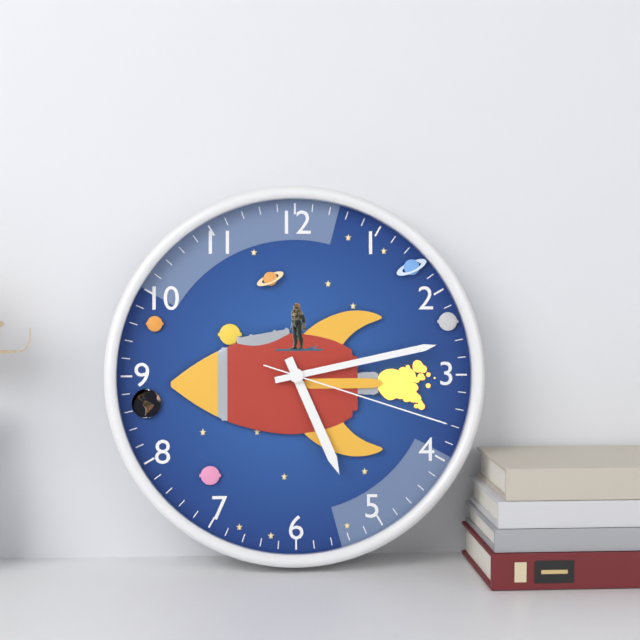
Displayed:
5.13.18
